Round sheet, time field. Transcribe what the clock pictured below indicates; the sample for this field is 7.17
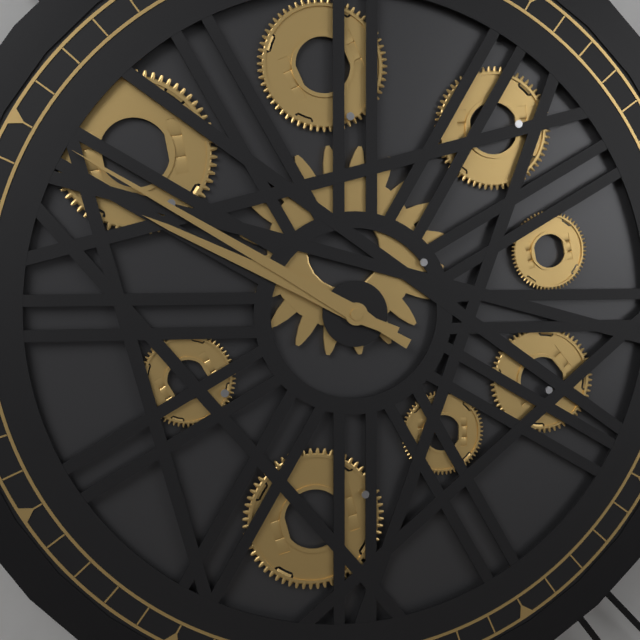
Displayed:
9.50
